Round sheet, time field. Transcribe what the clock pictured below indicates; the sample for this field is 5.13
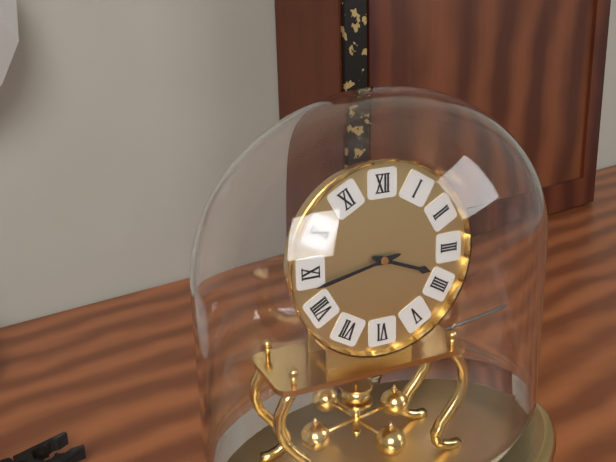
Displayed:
3.43
